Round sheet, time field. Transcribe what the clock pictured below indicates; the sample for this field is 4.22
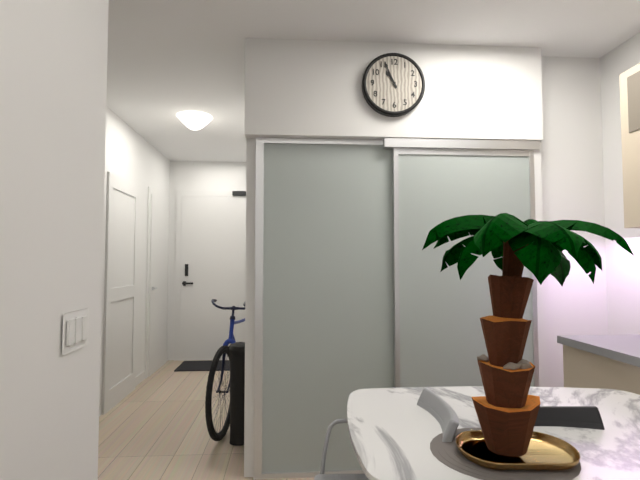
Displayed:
10.56
